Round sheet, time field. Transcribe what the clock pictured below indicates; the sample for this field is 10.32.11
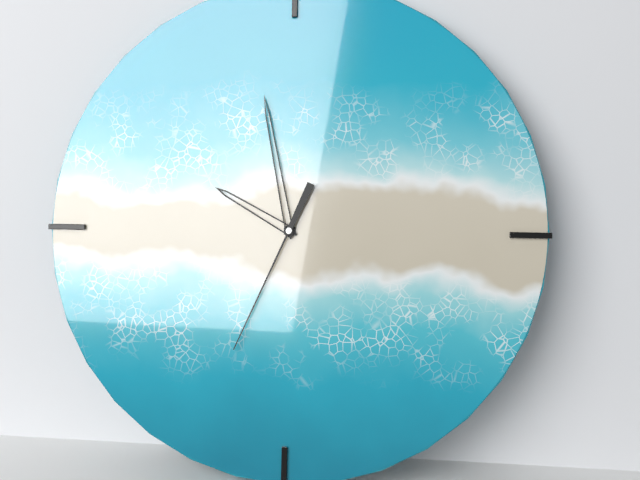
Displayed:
9.58.34
